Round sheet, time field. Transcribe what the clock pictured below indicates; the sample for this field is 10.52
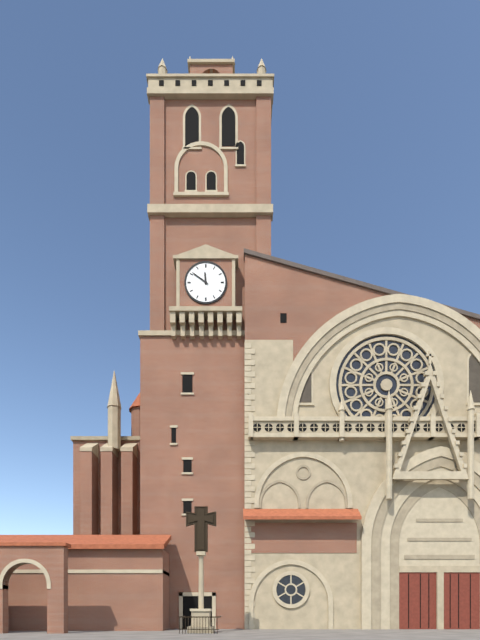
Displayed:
11.51
